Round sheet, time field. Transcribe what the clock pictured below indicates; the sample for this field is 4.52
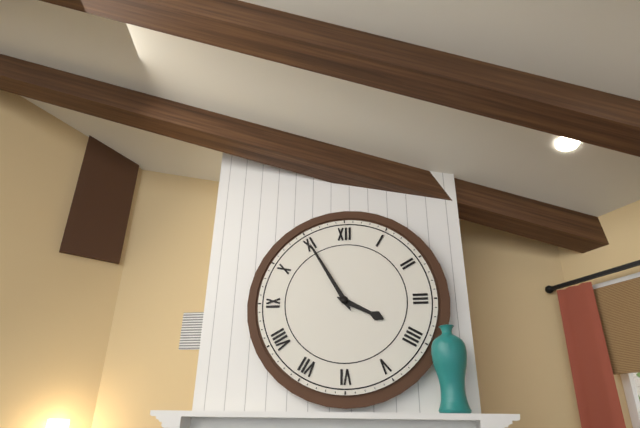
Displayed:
3.55
